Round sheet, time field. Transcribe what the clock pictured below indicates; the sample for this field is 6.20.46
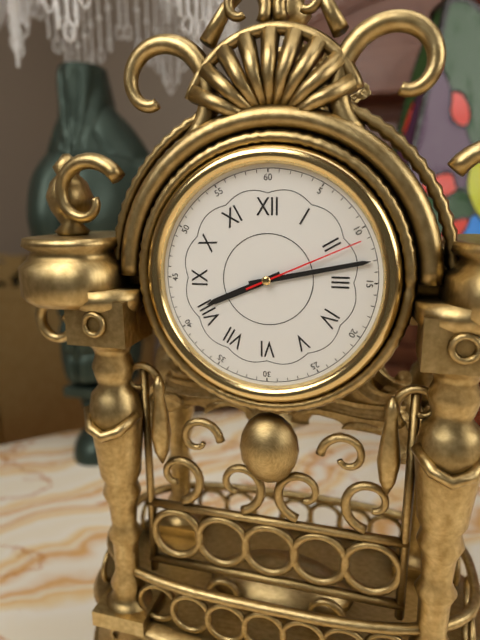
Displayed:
8.13.11
